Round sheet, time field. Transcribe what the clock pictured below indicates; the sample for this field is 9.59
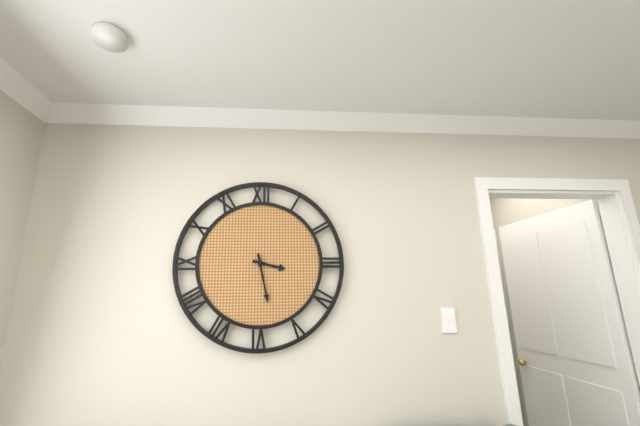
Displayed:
3.28
